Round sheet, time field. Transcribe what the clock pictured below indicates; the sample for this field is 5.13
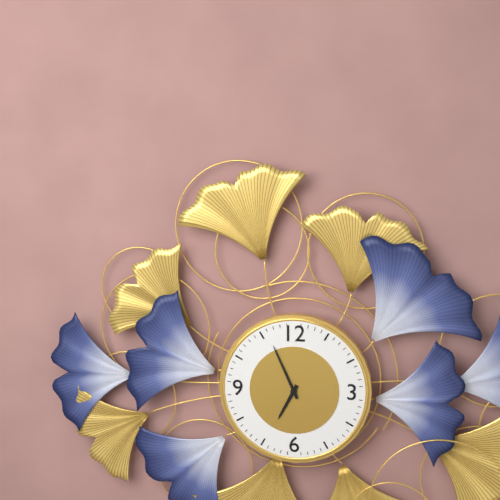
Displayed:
6.56
